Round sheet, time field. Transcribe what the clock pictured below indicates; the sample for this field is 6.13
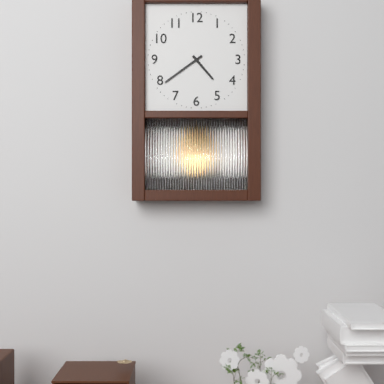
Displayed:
4.39
